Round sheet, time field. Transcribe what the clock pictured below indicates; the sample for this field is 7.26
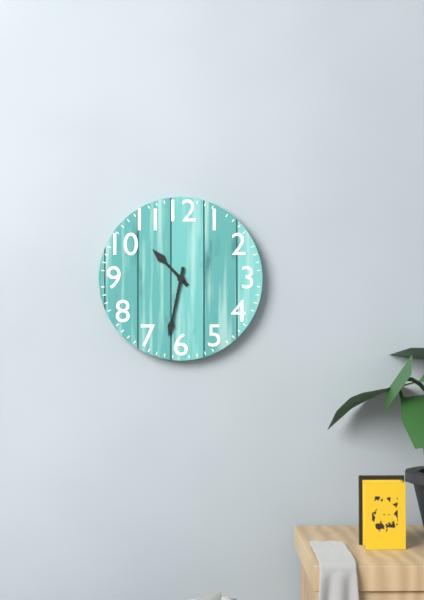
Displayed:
10.32
